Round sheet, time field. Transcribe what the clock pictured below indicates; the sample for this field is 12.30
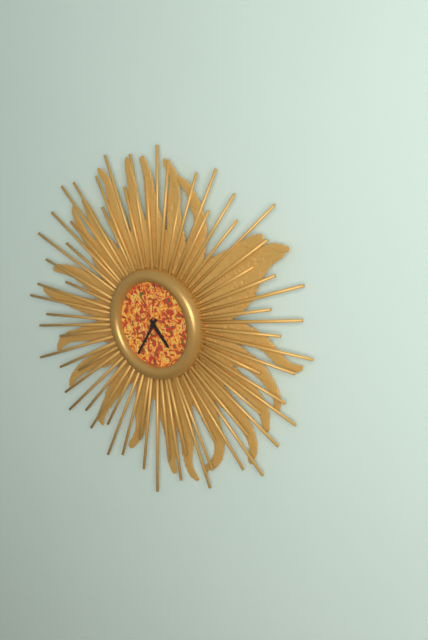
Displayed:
4.35
